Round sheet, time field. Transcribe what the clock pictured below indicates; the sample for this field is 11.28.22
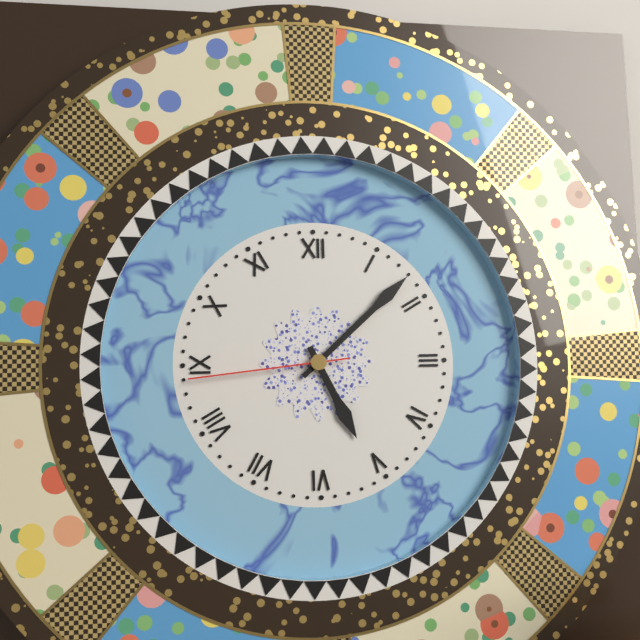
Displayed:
5.08.44
